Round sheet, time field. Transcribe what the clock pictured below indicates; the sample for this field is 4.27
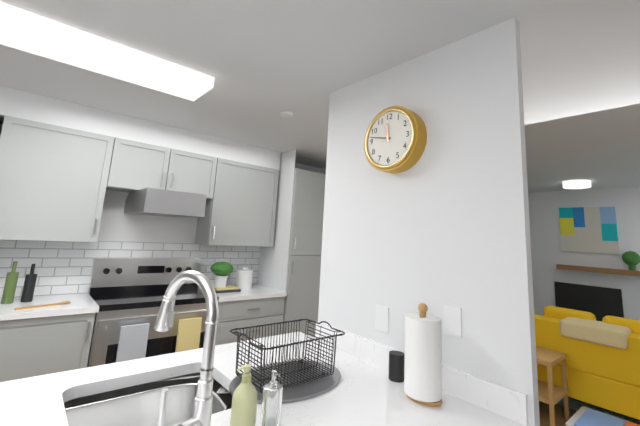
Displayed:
11.47
